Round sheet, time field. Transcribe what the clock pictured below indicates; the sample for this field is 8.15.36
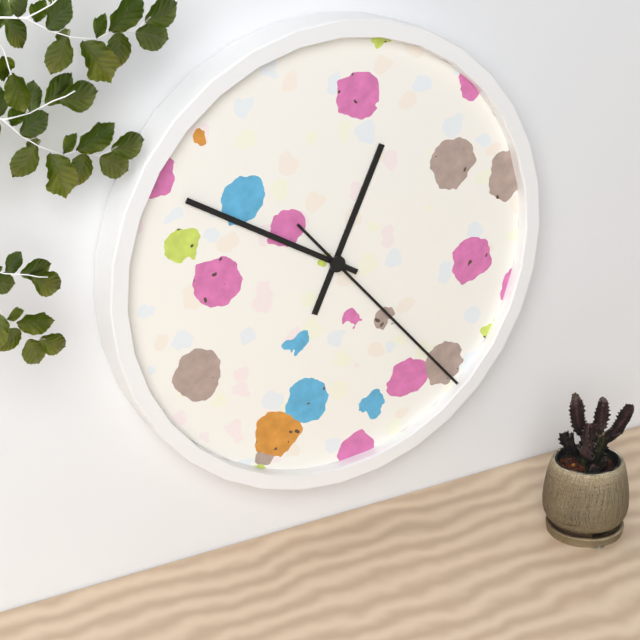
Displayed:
12.50.23
